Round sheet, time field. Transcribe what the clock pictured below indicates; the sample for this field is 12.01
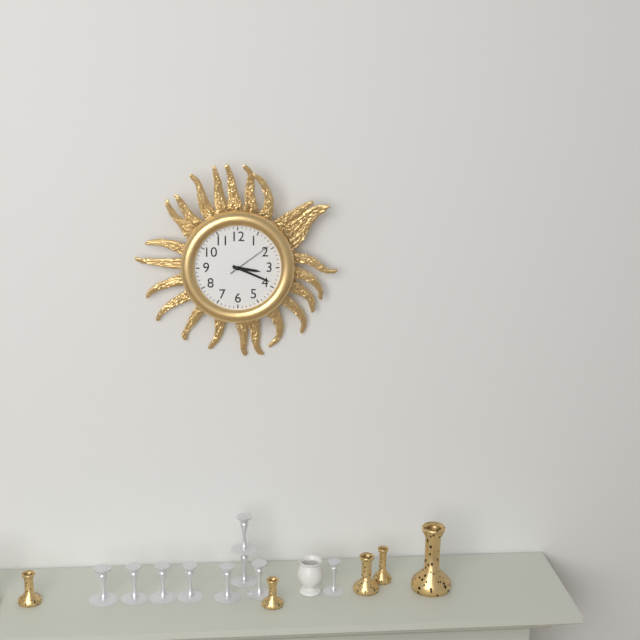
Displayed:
3.19
